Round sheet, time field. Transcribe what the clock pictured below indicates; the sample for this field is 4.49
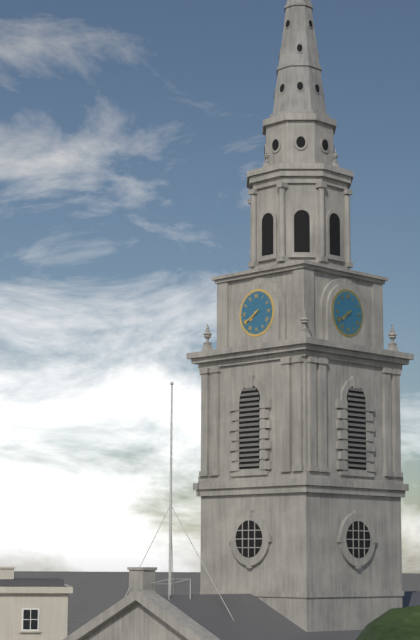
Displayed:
7.40
